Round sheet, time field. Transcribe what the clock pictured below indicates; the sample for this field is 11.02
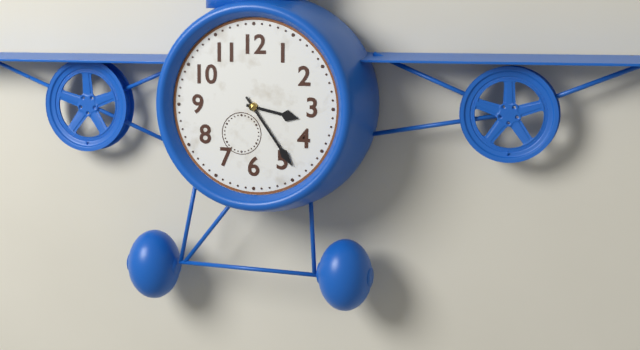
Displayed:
3.24
